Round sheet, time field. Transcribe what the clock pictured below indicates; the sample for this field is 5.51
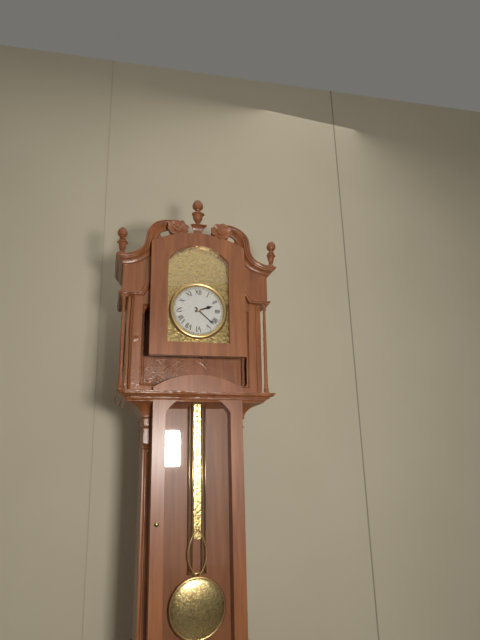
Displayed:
2.22
